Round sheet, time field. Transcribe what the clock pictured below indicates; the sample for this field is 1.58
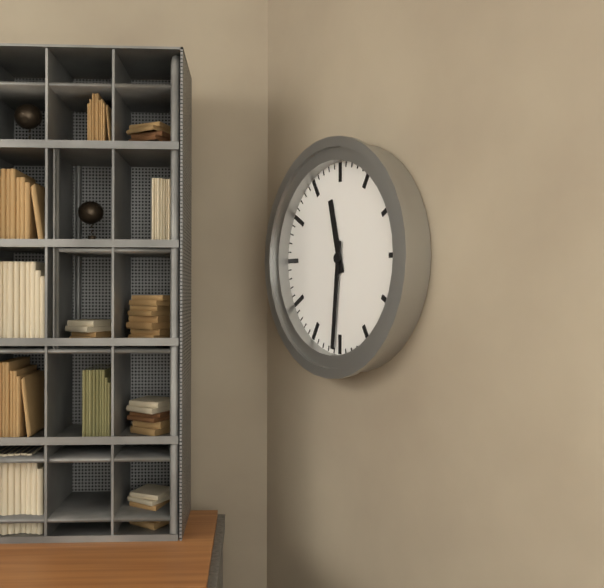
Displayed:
11.31
